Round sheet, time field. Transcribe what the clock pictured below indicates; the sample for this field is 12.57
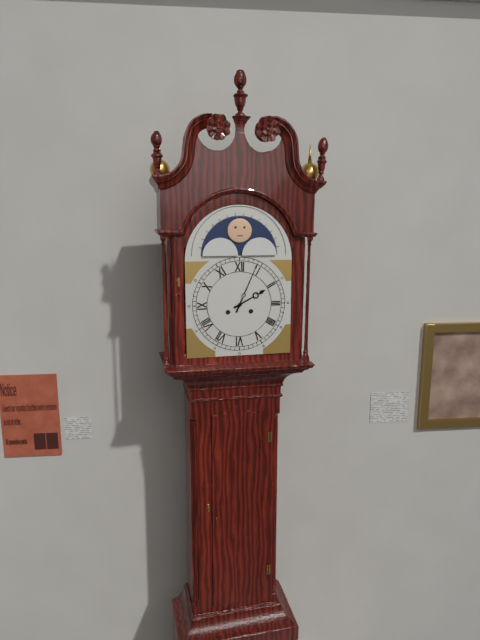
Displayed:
2.04
